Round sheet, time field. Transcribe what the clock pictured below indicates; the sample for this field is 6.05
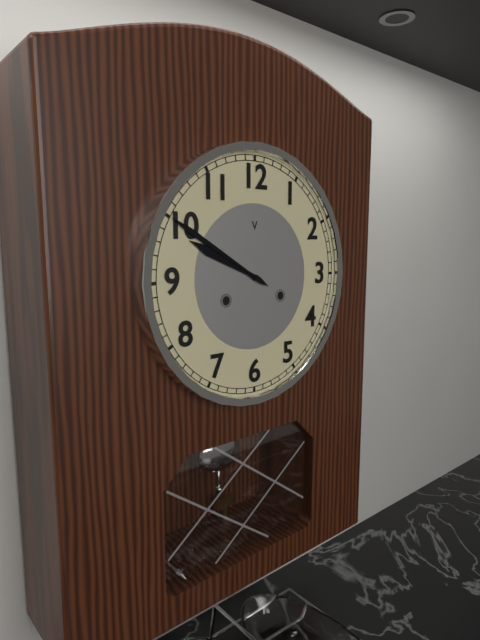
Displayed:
9.50
